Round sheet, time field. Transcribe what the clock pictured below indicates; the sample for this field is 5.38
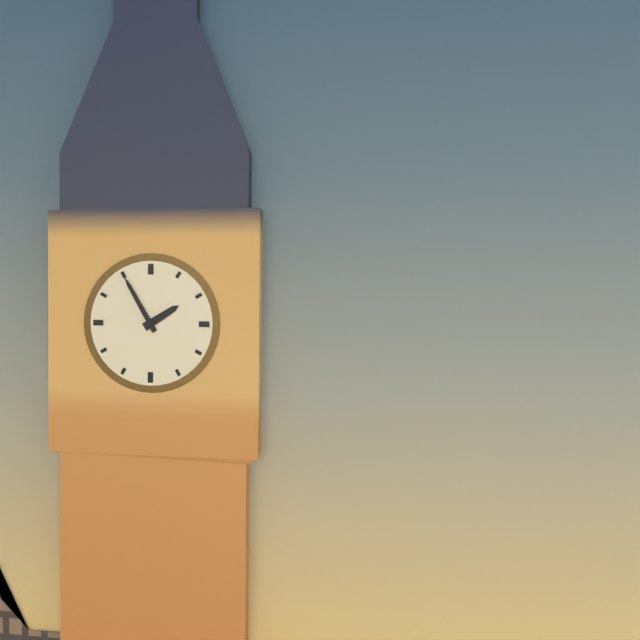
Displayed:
1.55
